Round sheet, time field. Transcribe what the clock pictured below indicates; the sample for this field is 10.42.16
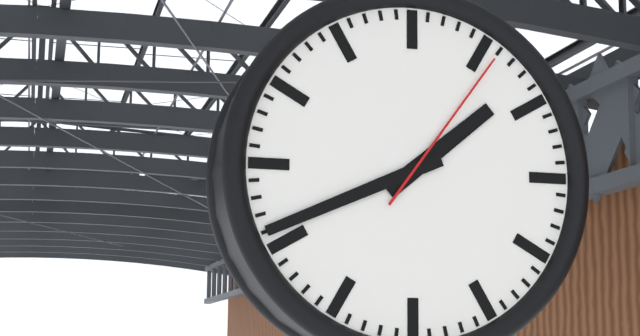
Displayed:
1.41.06
